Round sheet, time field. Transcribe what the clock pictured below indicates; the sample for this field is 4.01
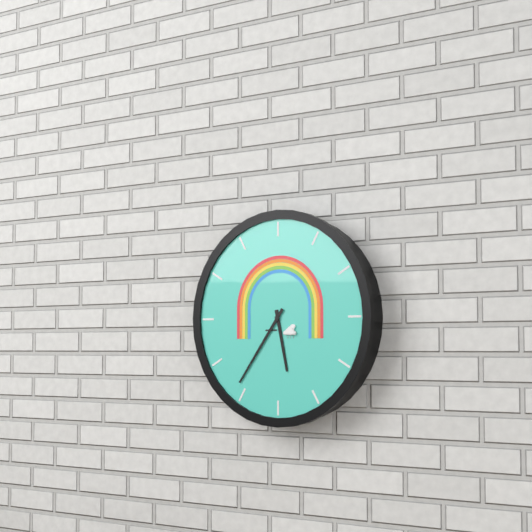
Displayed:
5.36
